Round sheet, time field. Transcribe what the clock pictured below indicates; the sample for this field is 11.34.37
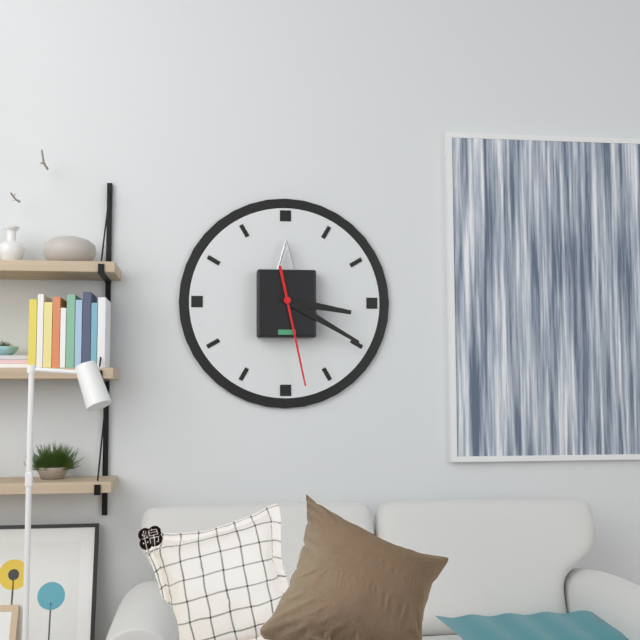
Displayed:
3.20.28
